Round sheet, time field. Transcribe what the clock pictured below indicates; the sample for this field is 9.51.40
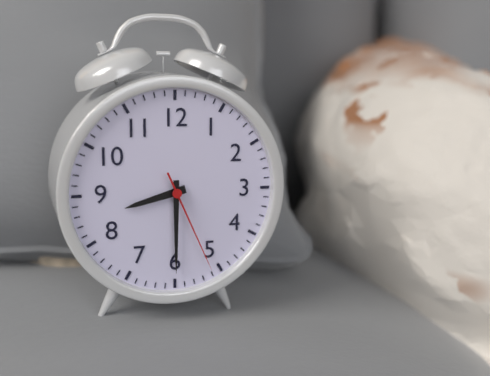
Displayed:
8.30.26
